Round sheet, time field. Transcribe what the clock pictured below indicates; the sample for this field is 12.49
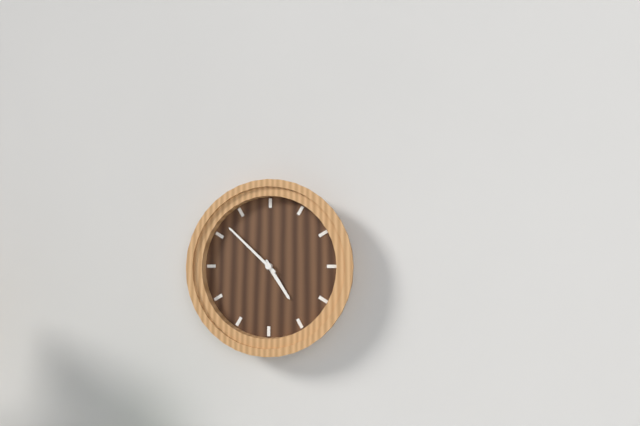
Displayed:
4.52
